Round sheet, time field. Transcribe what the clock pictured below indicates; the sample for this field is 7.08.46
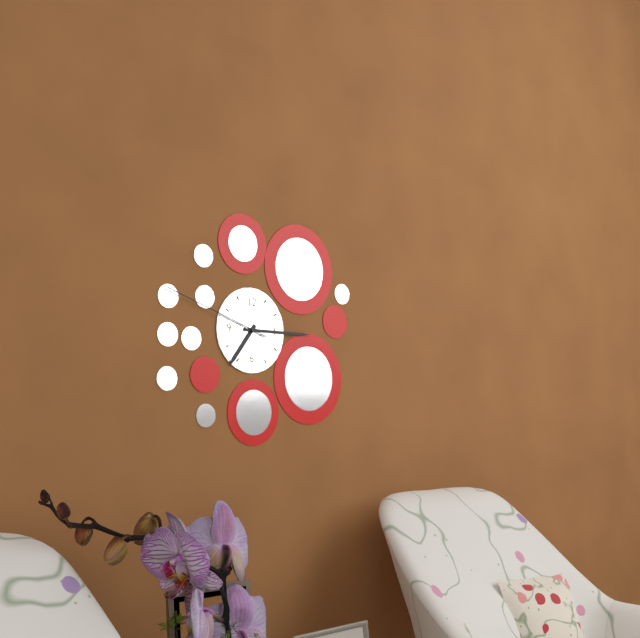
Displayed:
7.15.48
